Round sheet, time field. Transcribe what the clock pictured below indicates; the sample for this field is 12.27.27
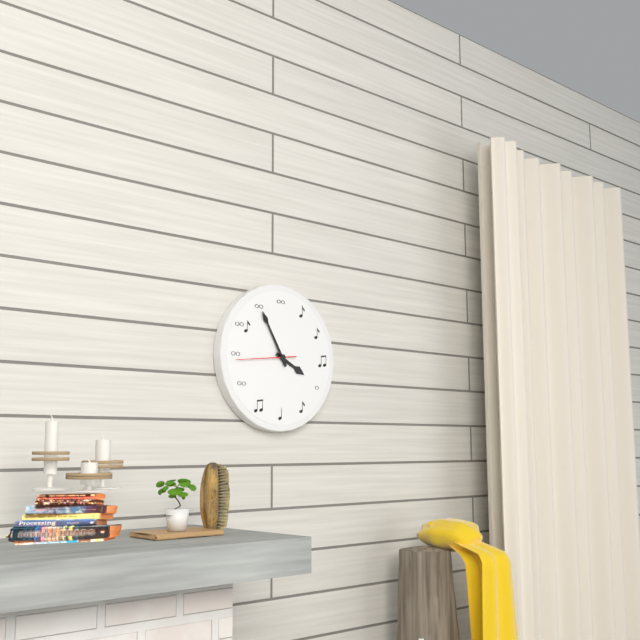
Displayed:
3.55.44
